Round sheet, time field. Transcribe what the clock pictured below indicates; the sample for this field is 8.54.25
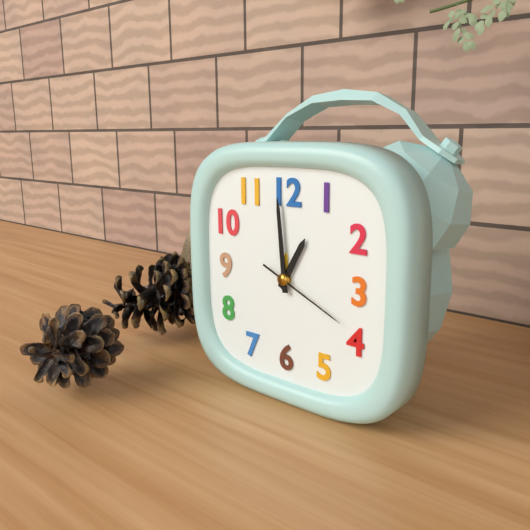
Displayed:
12.59.19
